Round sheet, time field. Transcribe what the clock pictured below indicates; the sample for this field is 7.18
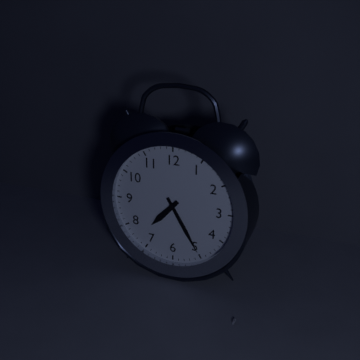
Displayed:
7.25
